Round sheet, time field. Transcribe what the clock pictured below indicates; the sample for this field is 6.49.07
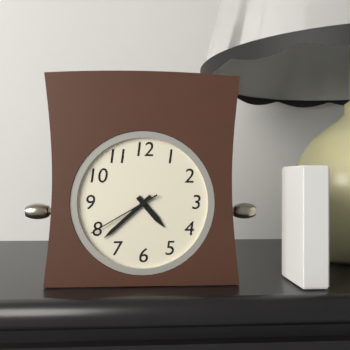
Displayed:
4.38.40
